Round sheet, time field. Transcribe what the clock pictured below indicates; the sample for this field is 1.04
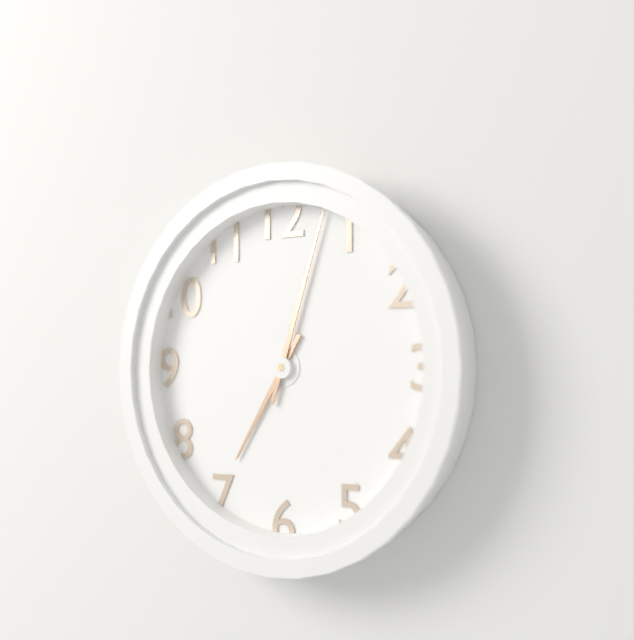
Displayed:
7.03
